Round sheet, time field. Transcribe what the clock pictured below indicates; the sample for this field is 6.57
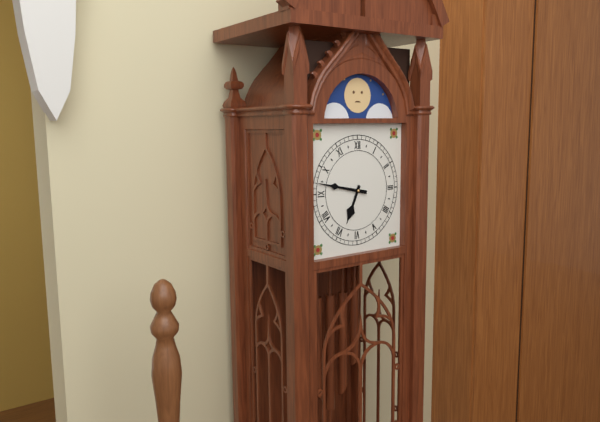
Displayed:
6.47
